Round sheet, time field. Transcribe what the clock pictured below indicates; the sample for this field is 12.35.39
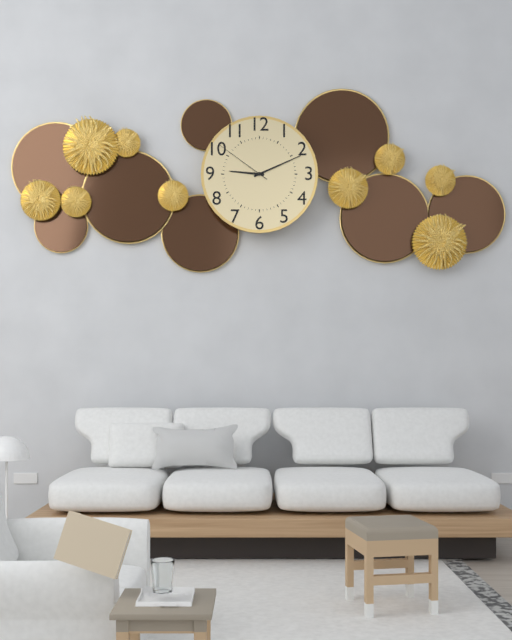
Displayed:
9.11.51
